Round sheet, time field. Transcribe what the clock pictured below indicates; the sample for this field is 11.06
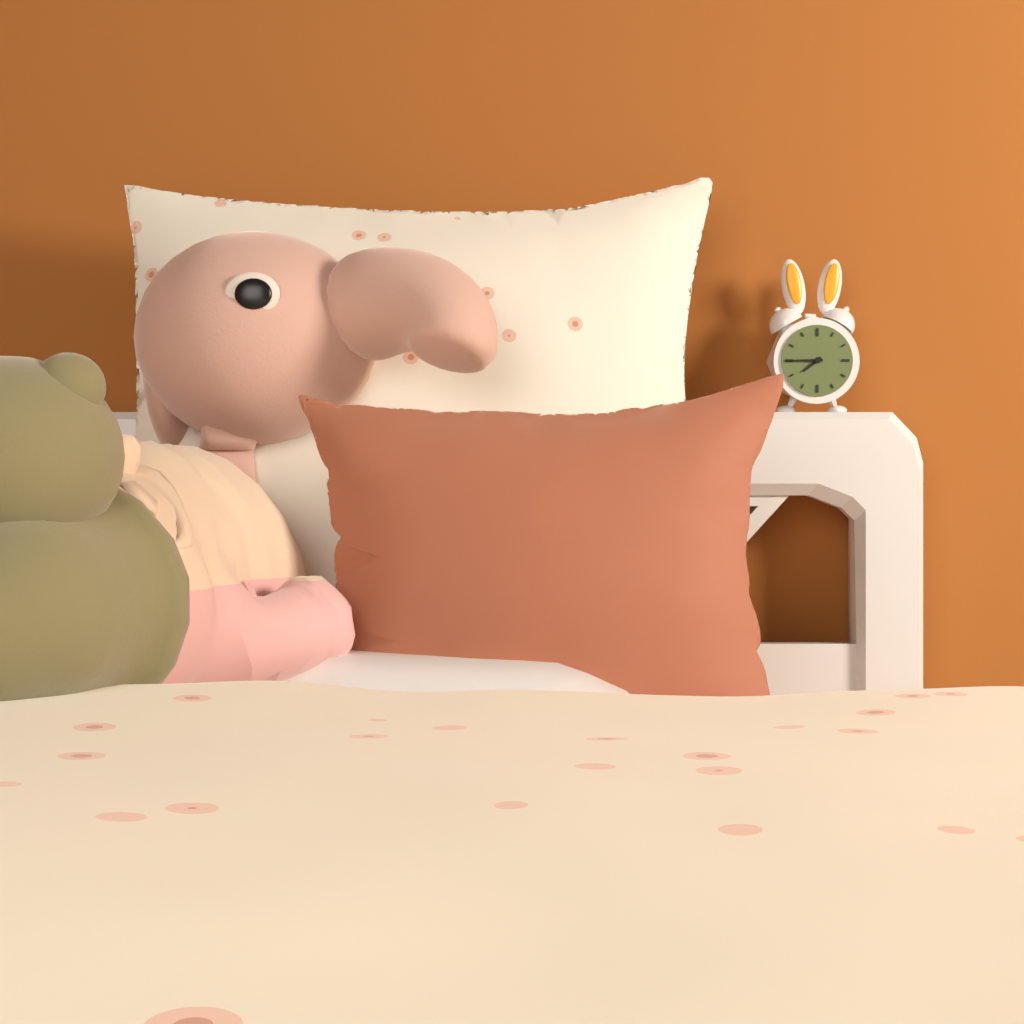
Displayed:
7.45
